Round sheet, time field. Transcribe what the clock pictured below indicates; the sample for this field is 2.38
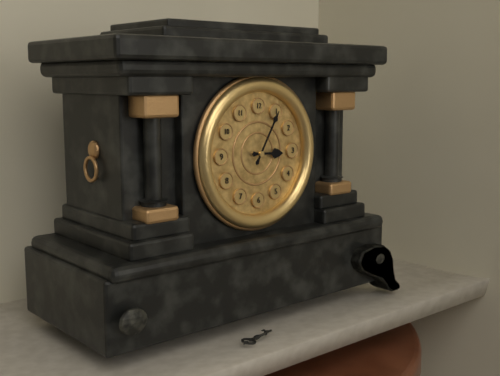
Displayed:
3.05
